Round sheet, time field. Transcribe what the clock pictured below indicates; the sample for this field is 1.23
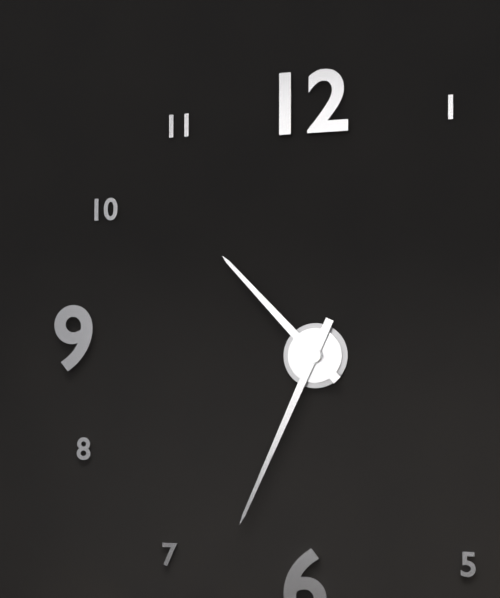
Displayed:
10.34
